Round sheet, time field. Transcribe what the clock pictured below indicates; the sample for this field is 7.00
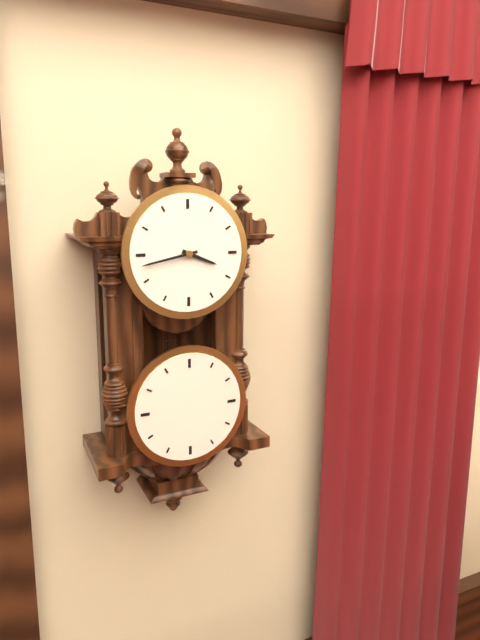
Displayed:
3.43
